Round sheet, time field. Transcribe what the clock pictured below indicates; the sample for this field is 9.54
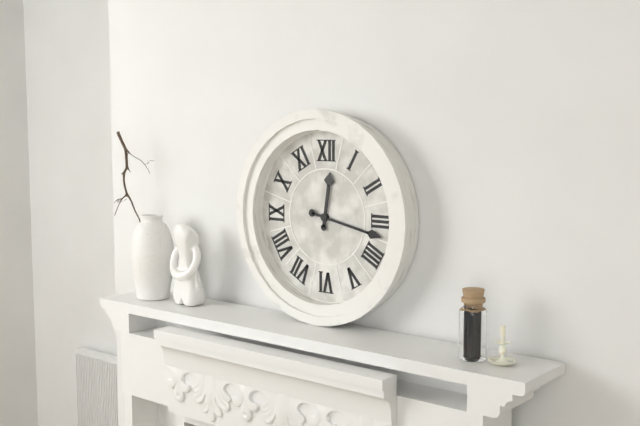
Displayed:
12.17
